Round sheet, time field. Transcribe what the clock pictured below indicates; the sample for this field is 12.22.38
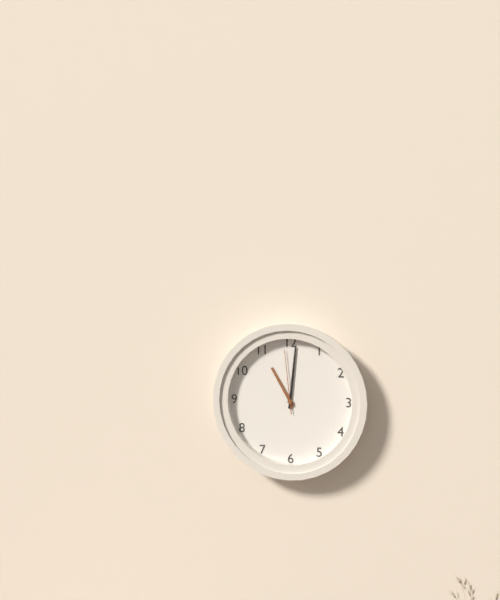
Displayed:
11.01.59
